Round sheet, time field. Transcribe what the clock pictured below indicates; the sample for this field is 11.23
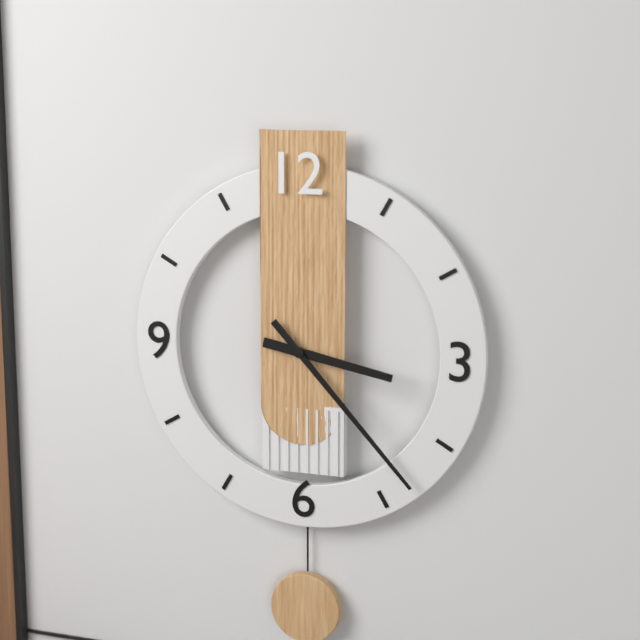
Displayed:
3.23
